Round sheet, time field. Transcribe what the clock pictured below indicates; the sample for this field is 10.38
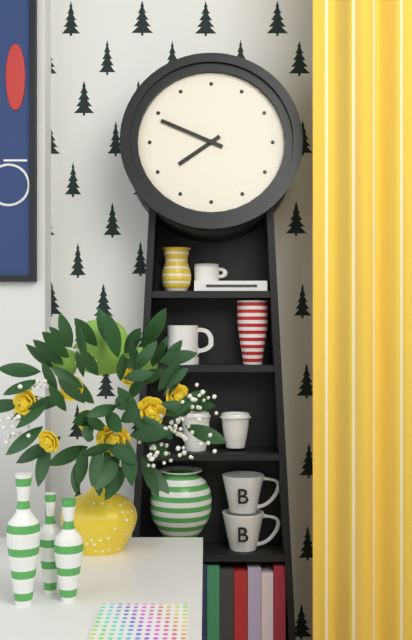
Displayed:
7.49
